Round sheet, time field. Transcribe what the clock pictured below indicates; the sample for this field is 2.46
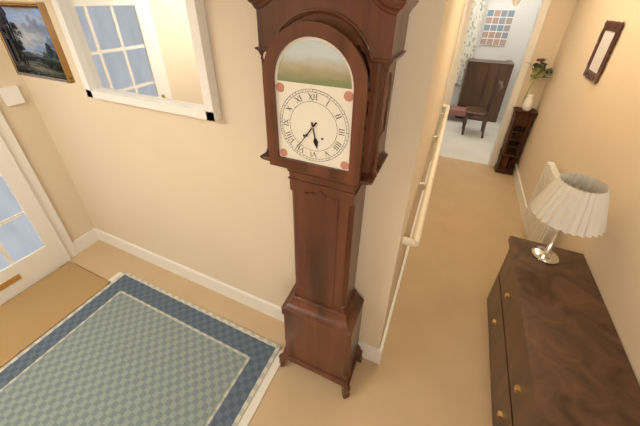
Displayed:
5.36
